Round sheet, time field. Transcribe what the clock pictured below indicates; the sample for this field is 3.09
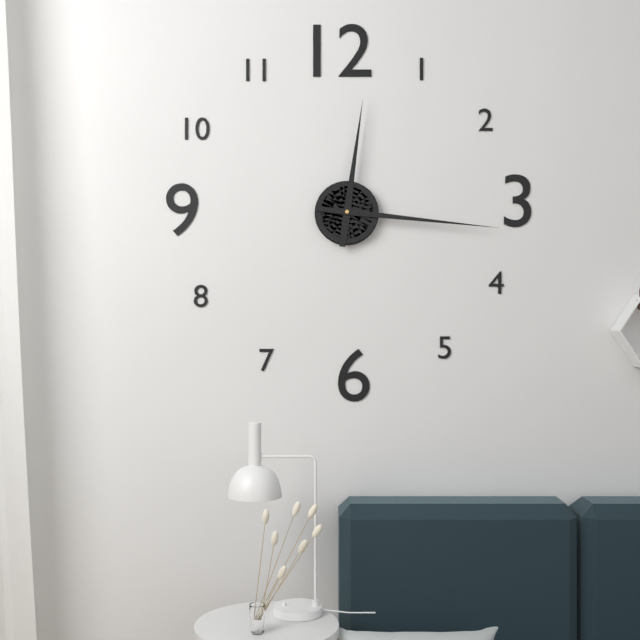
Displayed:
12.16
